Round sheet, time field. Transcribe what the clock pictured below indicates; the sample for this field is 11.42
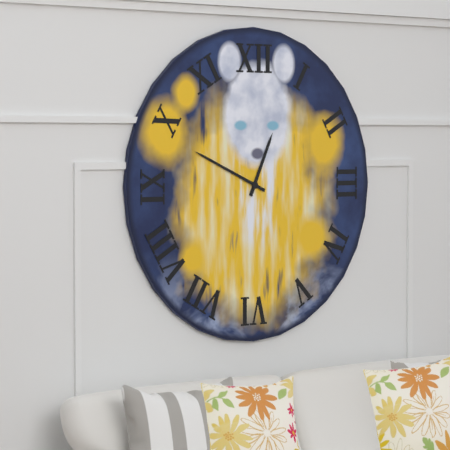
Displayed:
12.49
